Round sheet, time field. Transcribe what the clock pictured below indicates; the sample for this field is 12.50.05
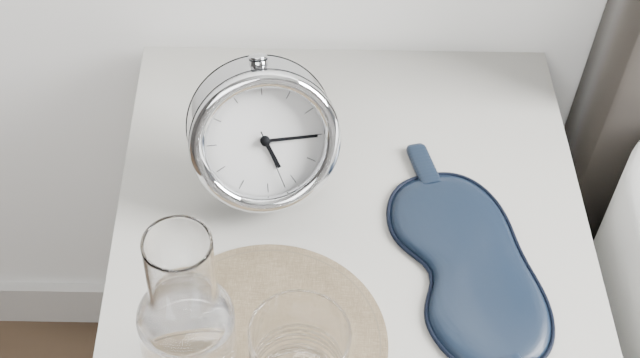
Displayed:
5.15.27
